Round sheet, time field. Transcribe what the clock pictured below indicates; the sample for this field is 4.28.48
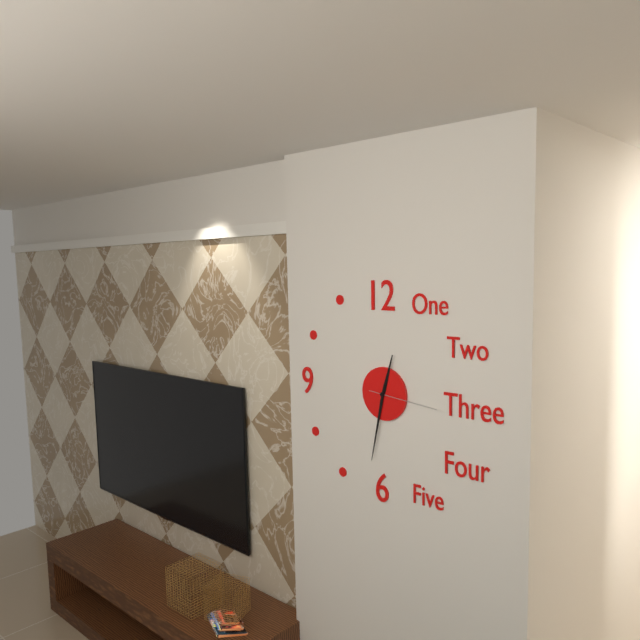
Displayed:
12.32.16
